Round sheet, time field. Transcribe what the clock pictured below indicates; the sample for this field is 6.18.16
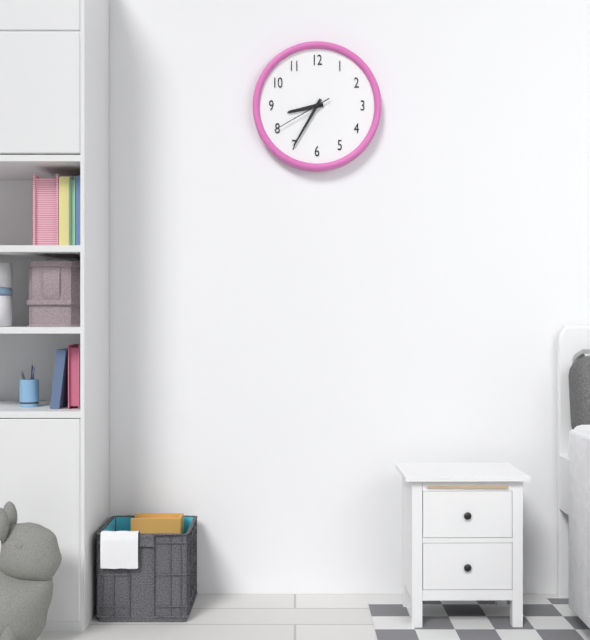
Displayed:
8.35.40
